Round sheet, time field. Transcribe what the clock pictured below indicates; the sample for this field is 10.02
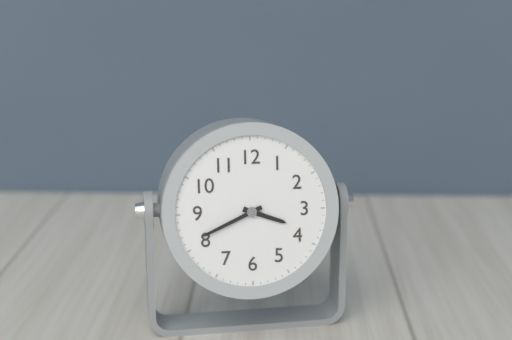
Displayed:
3.41
